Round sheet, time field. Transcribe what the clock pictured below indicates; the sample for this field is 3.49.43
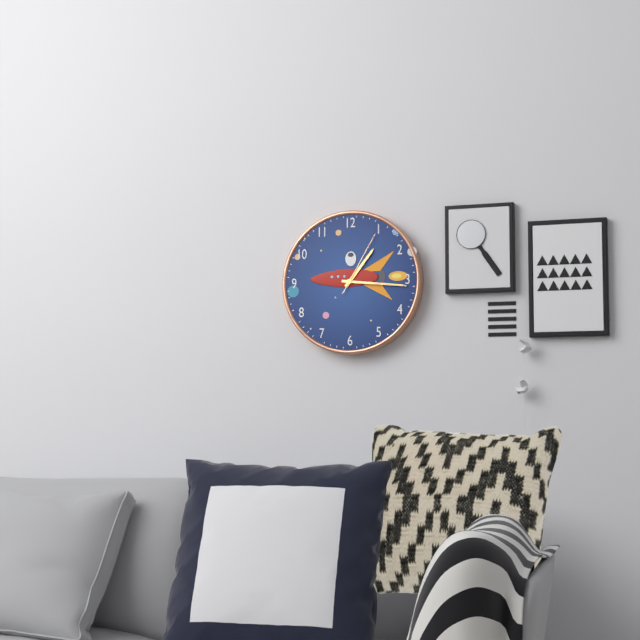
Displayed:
1.16.05
